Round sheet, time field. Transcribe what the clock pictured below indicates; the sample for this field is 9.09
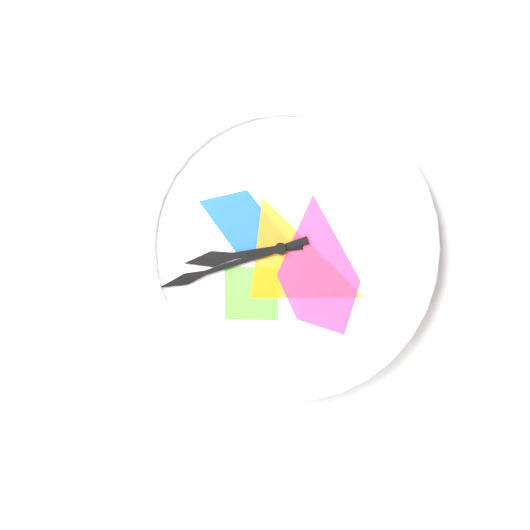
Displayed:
8.42
